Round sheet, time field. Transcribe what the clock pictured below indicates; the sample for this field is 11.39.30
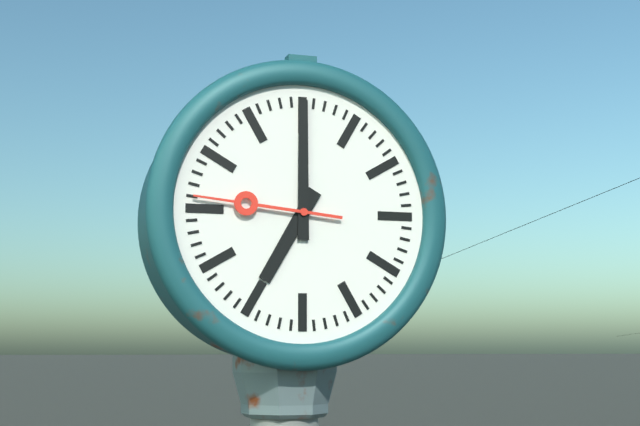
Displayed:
7.00.46
